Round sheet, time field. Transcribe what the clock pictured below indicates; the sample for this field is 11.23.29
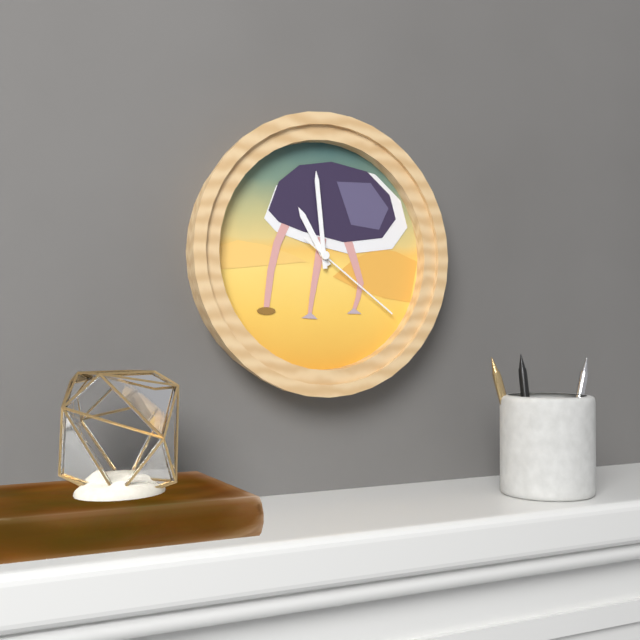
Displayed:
10.59.21
